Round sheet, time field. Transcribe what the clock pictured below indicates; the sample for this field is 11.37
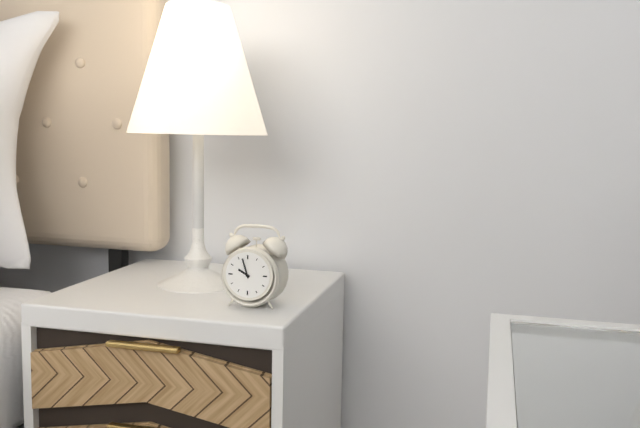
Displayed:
9.57
